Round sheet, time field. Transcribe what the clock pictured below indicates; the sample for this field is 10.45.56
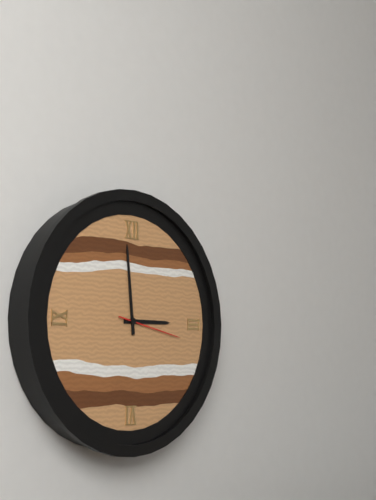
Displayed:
2.59.17
